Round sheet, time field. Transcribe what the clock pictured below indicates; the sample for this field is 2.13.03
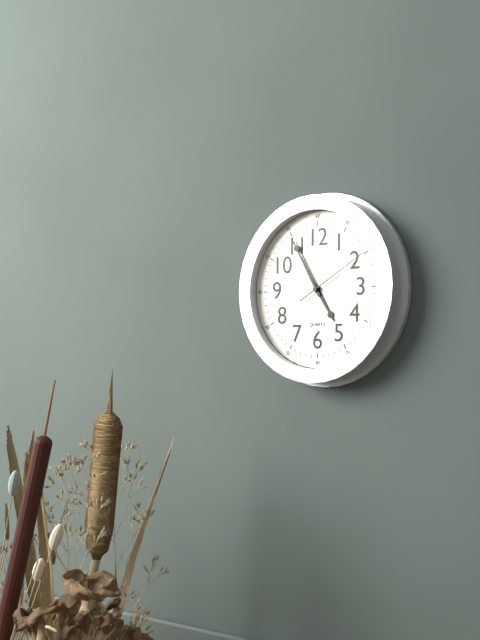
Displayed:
4.55.10
